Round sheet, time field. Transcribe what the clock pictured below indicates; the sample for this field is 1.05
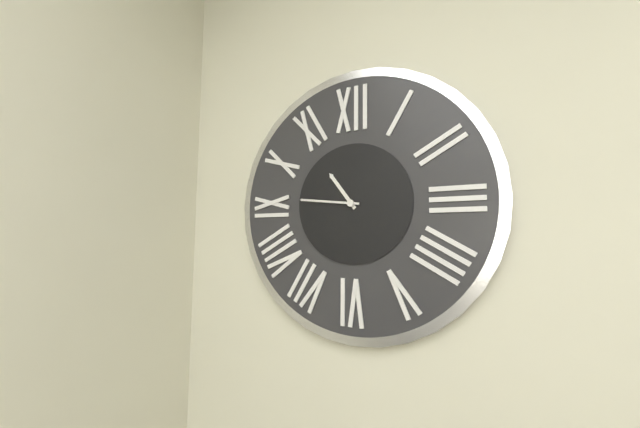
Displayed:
10.46
